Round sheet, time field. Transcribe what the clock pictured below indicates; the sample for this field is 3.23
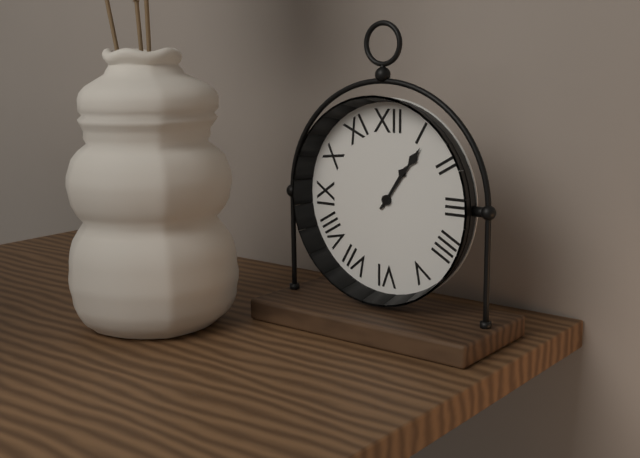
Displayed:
1.06
